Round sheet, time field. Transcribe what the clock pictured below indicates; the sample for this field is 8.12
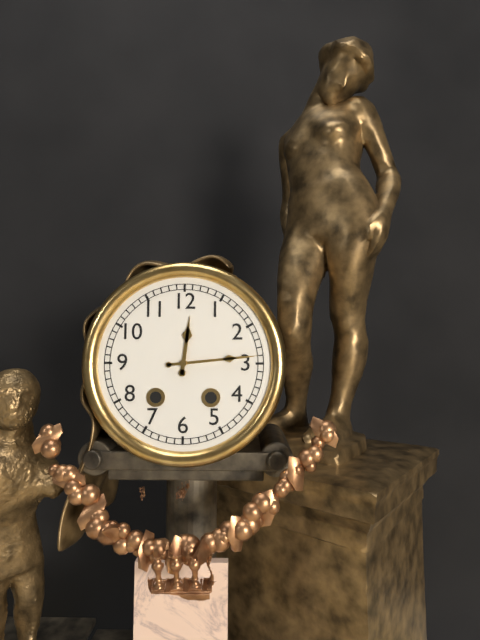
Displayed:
12.14
